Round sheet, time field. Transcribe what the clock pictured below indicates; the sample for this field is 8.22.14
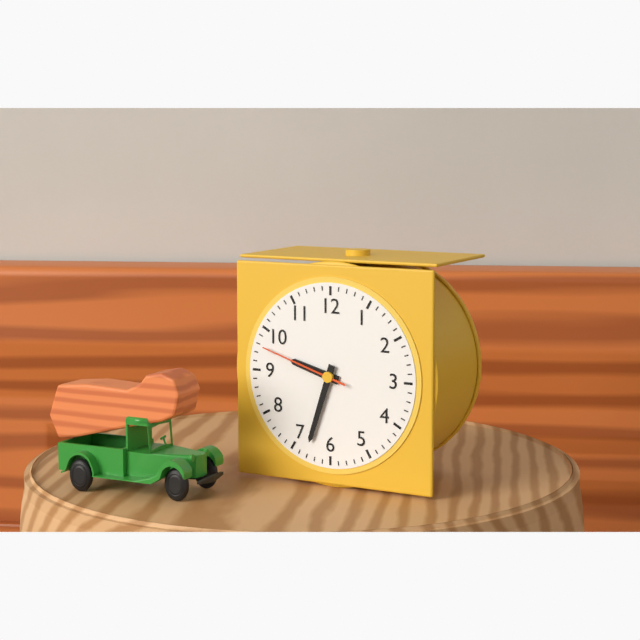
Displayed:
9.33.48
